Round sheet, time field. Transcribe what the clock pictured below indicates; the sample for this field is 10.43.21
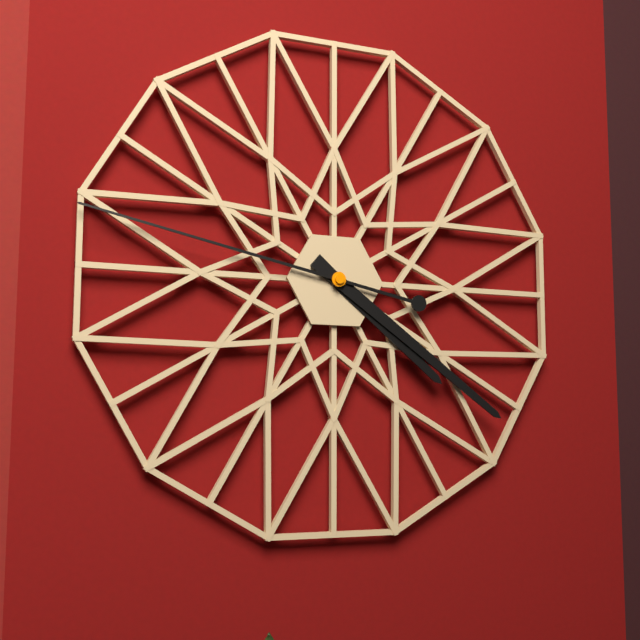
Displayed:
4.21.47
